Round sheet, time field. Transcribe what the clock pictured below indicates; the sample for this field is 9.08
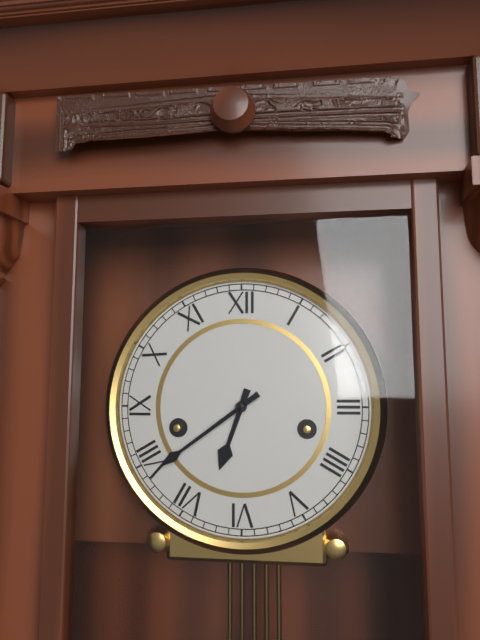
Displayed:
6.39
